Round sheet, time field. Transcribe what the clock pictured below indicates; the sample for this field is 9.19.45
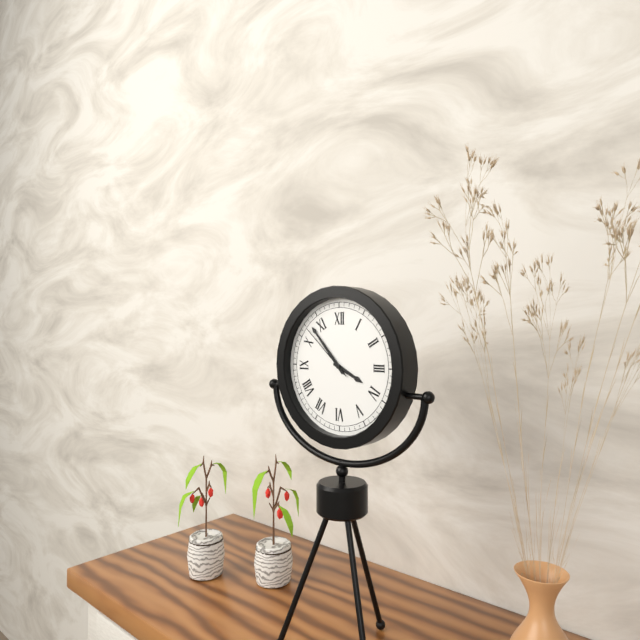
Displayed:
3.53.52
